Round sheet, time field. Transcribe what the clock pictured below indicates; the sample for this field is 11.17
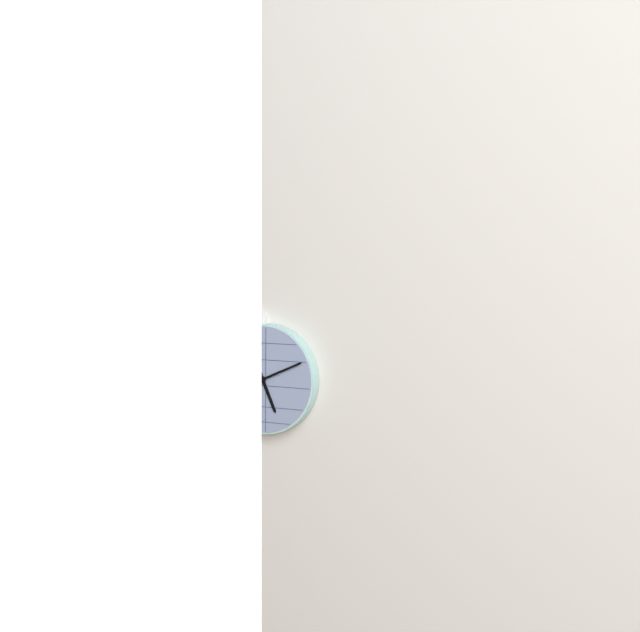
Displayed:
5.11
